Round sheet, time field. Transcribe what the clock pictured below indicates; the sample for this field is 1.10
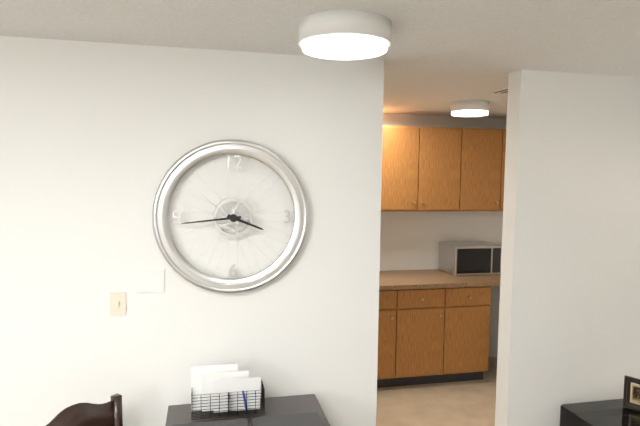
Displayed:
3.44
